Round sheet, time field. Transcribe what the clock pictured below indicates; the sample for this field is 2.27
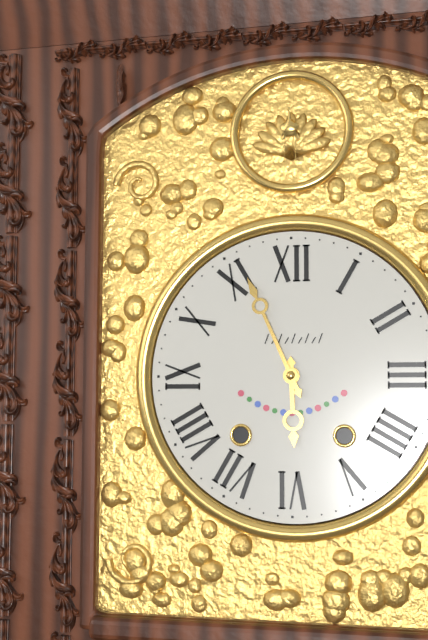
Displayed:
5.56
